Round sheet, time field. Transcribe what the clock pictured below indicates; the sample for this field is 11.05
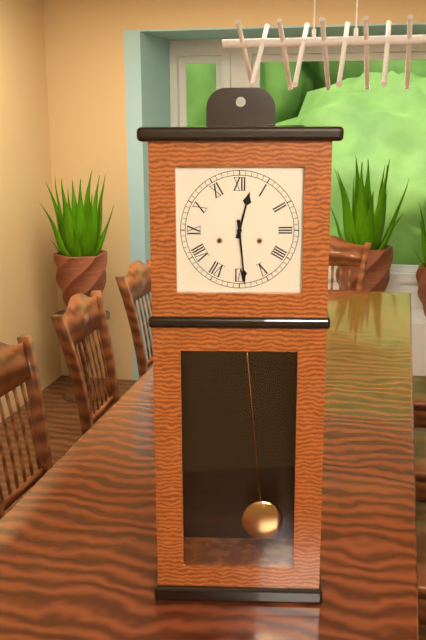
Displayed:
12.29
